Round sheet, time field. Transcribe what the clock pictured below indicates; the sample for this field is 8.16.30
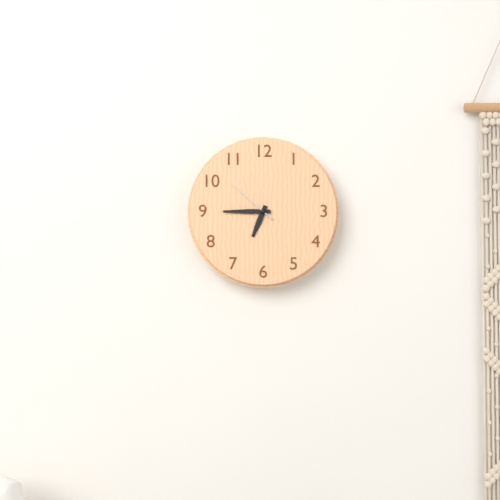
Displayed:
6.45.52
